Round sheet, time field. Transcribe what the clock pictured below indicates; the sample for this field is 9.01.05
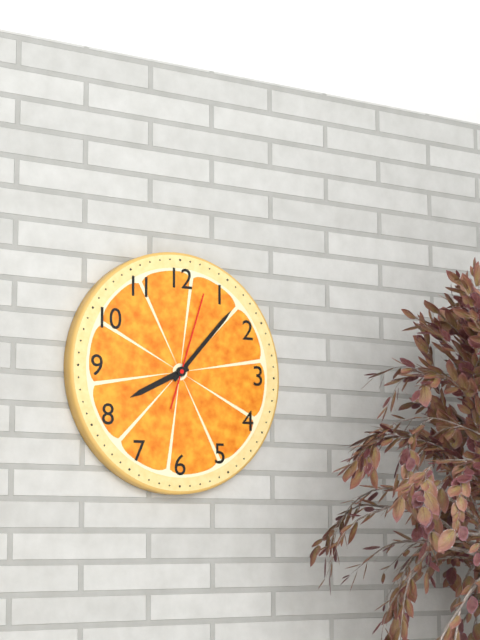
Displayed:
8.07.03
